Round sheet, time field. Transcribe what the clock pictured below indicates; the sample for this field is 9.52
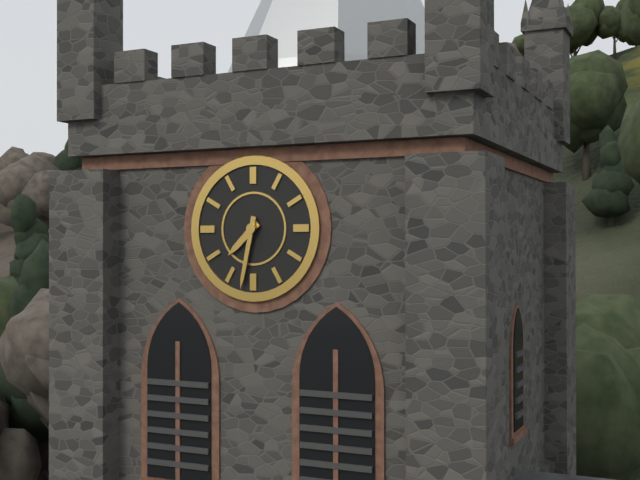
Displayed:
7.32
